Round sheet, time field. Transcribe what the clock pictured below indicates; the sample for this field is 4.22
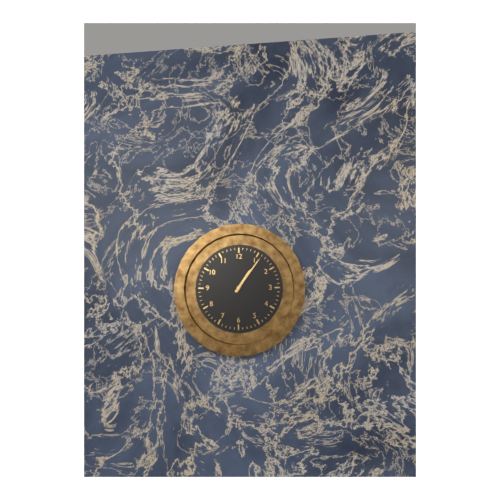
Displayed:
1.06
